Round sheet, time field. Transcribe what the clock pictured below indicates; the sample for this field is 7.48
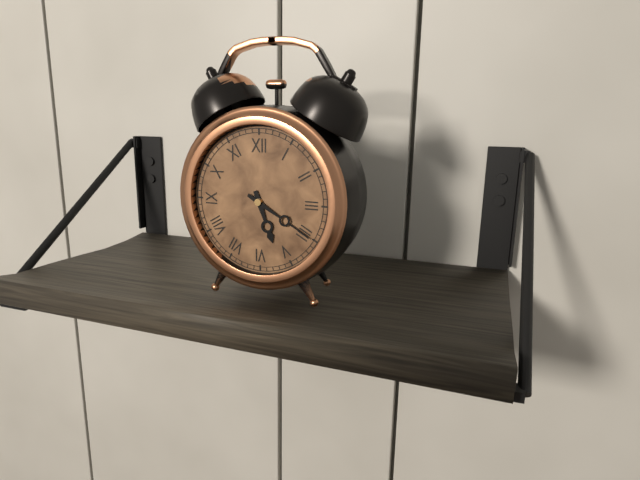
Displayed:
5.20
